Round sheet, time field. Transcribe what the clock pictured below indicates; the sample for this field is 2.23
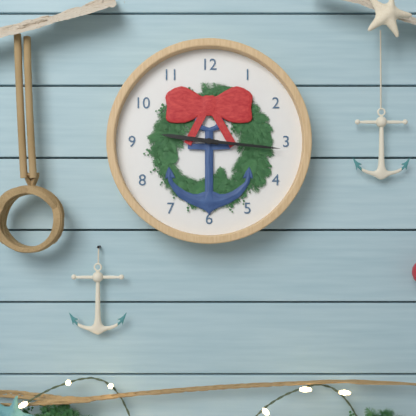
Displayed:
9.16
